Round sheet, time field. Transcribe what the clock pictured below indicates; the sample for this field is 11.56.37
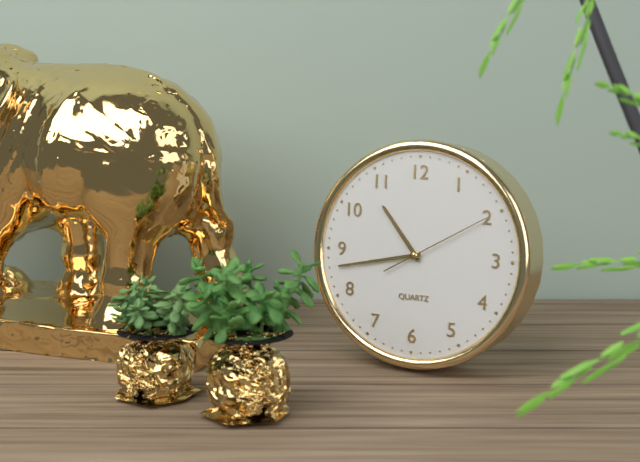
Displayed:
10.43.10
